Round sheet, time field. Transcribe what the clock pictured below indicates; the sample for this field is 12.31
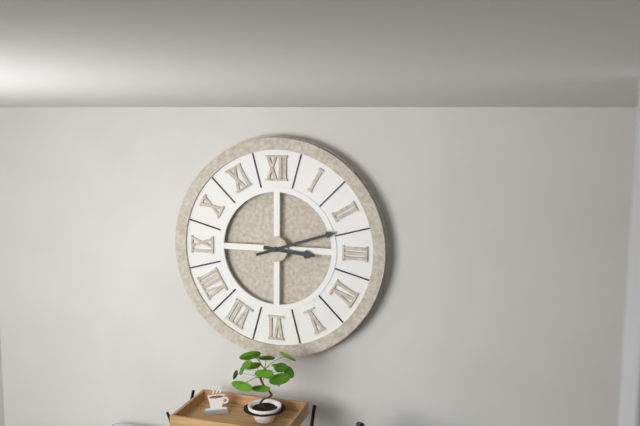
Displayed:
3.12
